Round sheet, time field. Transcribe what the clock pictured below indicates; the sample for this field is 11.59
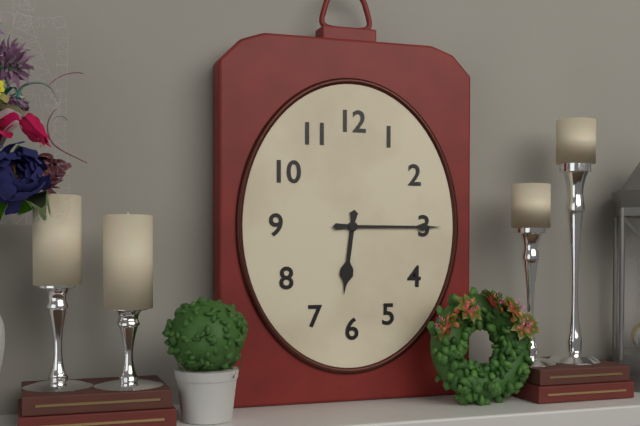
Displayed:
6.15
